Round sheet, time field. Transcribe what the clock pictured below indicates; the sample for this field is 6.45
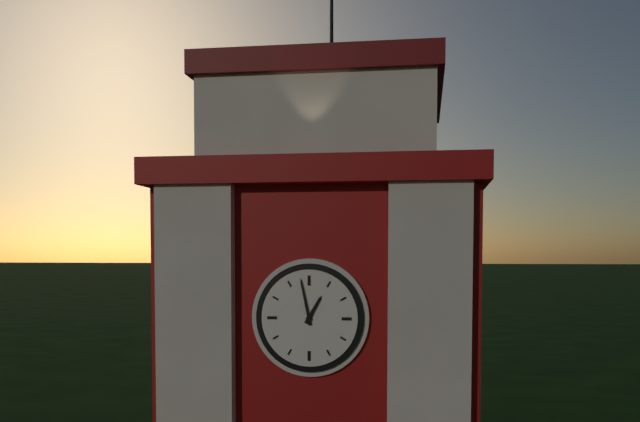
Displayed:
12.58
